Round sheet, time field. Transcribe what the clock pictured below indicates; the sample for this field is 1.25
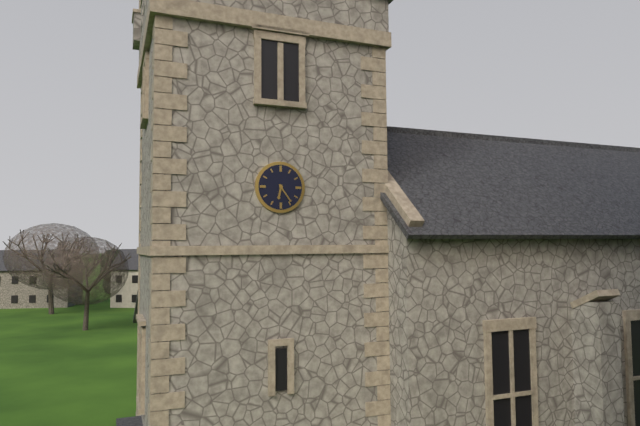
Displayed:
6.24
